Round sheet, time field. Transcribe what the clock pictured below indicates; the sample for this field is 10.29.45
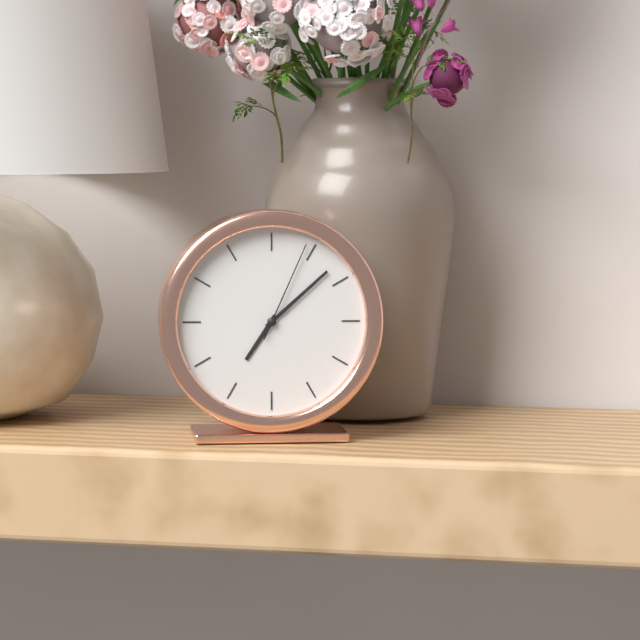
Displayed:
7.08.04
